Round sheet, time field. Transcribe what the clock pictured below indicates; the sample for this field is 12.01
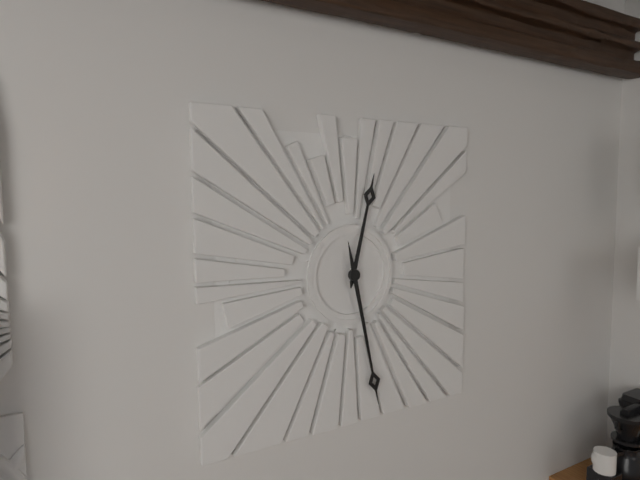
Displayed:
12.28
